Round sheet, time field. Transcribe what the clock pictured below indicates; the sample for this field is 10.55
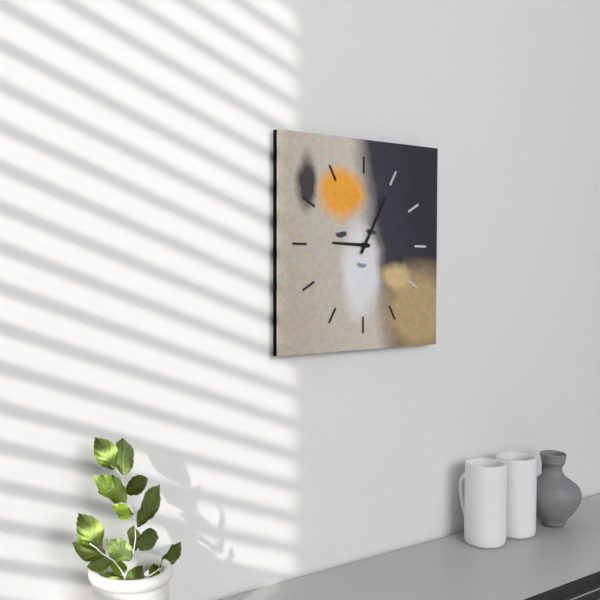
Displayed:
9.05
